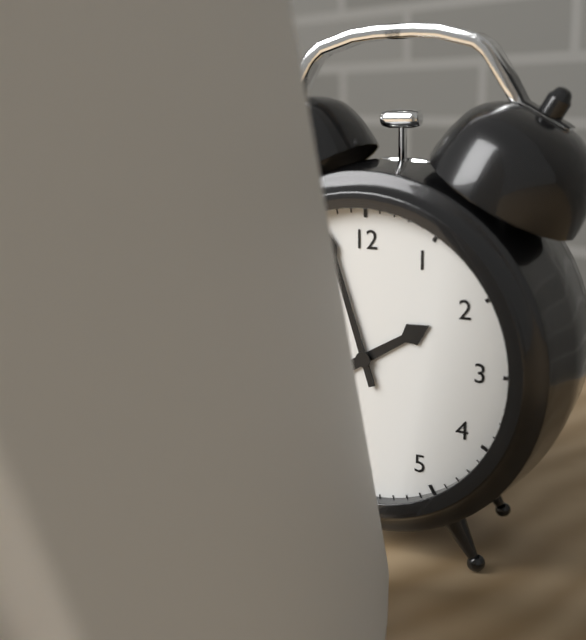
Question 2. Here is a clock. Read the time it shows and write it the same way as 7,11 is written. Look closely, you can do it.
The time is 1,57
